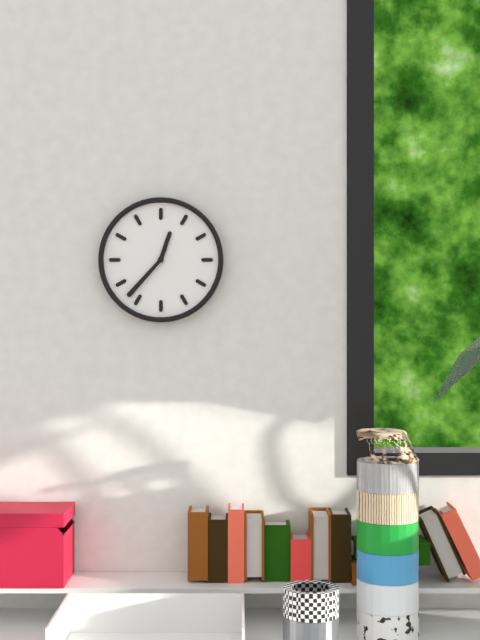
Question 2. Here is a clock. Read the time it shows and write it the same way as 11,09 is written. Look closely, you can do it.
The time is 12,37
